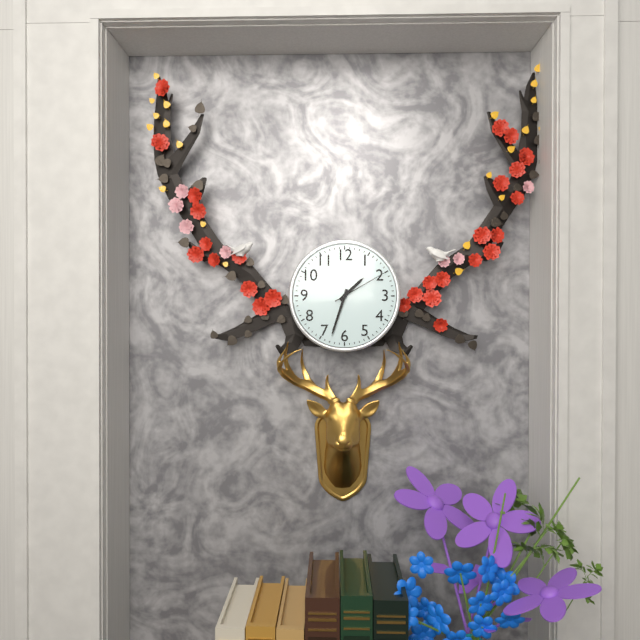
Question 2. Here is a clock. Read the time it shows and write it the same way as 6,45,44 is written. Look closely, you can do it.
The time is 1,33,10
